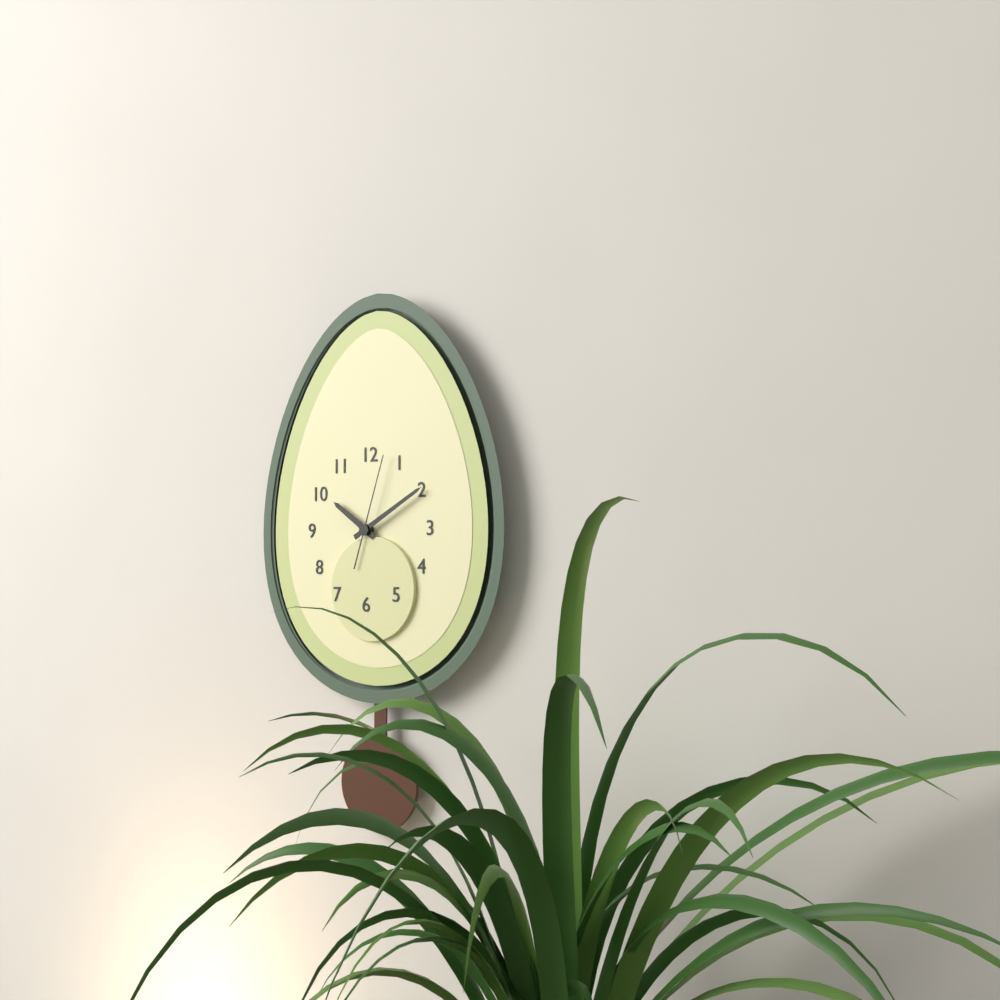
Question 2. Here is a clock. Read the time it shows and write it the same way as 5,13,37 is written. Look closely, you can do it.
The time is 10,10,03
